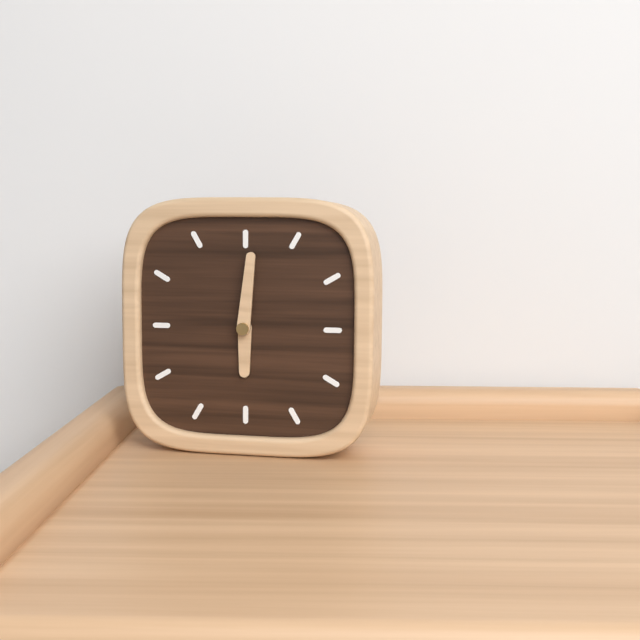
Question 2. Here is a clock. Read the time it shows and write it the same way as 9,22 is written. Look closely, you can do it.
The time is 6,01
